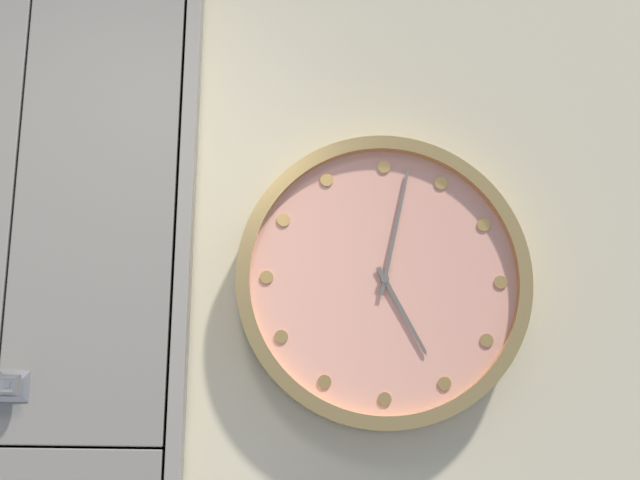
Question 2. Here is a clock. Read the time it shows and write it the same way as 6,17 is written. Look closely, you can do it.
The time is 5,02
